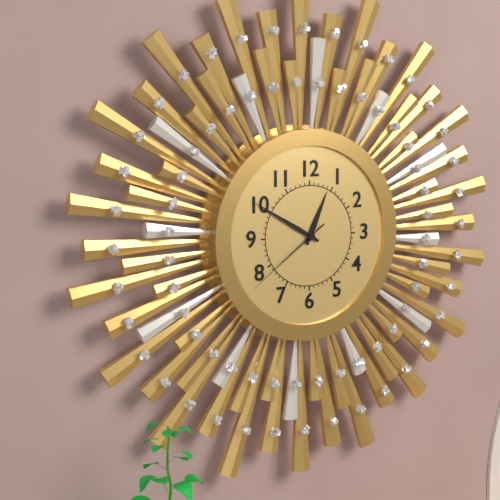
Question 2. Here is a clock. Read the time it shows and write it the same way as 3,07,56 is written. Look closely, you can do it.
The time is 12,50,39
